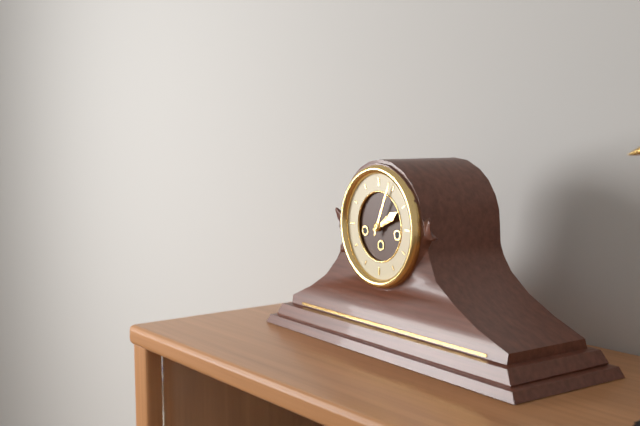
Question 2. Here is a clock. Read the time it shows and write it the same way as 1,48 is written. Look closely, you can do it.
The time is 2,04
